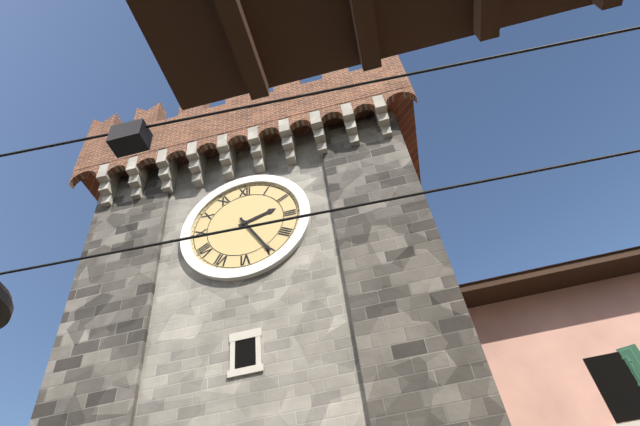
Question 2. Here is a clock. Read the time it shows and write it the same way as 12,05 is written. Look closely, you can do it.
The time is 2,25
